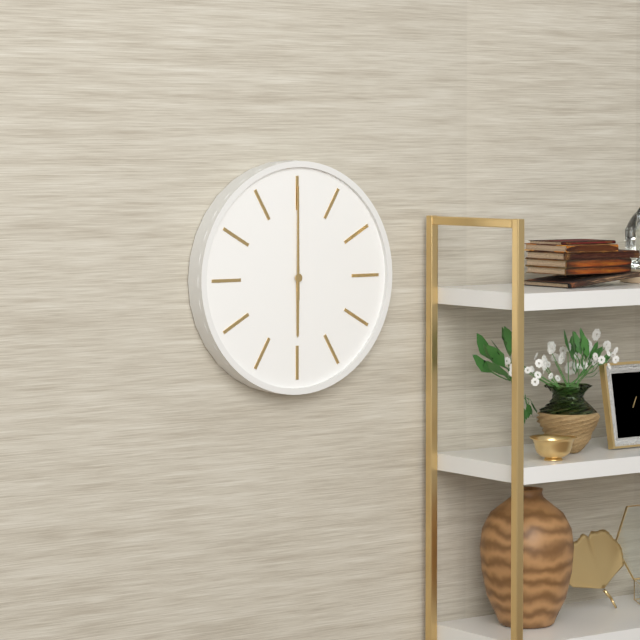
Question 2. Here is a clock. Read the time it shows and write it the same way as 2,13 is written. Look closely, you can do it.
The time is 6,00
